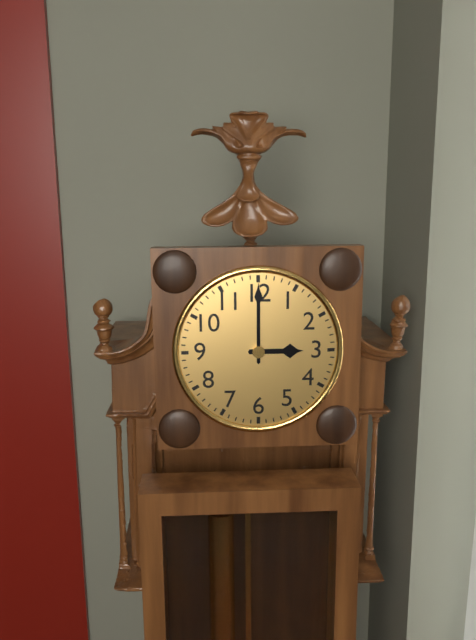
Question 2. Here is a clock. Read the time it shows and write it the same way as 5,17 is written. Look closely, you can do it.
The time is 3,00
